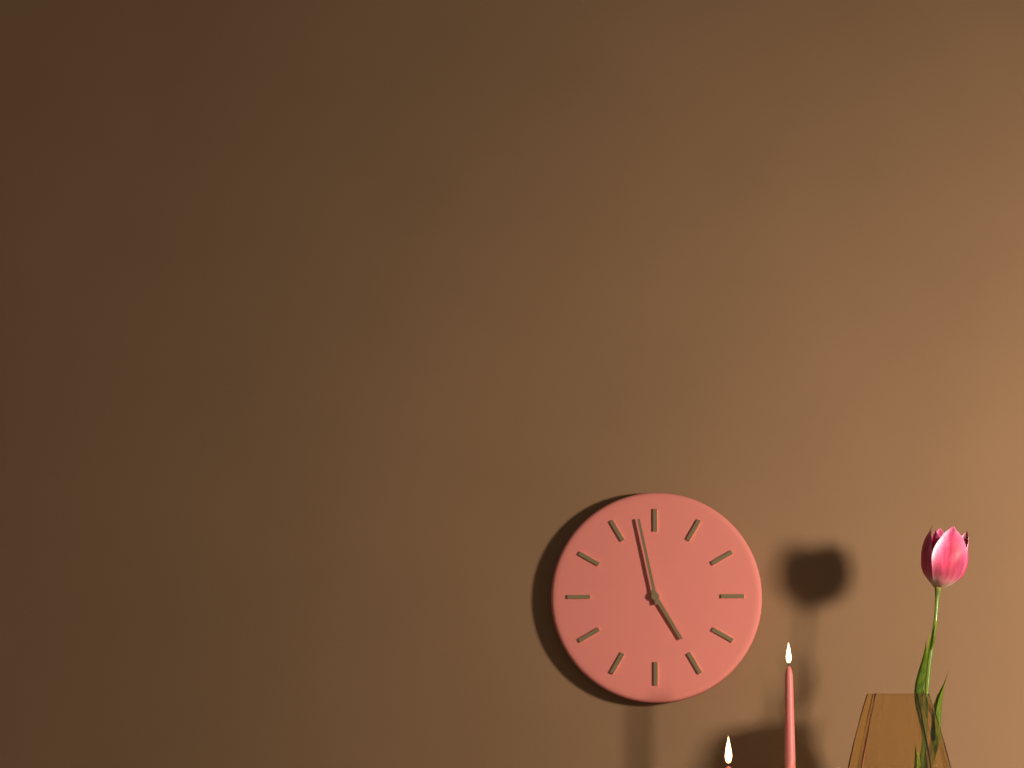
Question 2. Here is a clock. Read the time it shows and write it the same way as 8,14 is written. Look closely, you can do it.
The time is 4,58
